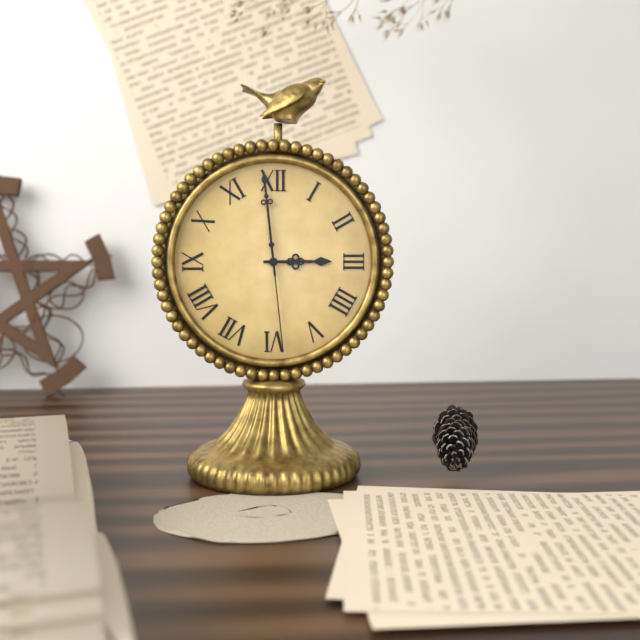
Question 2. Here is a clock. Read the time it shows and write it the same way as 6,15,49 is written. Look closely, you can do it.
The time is 2,59,29
